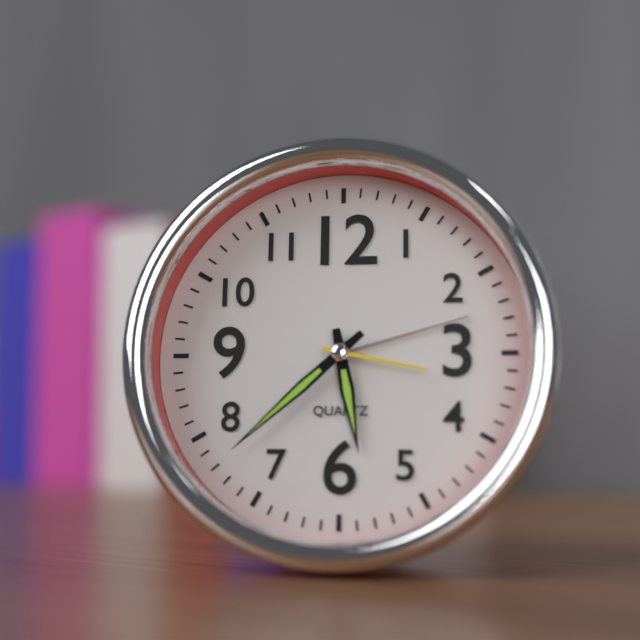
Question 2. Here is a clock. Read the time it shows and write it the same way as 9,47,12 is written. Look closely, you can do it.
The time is 5,38,17
